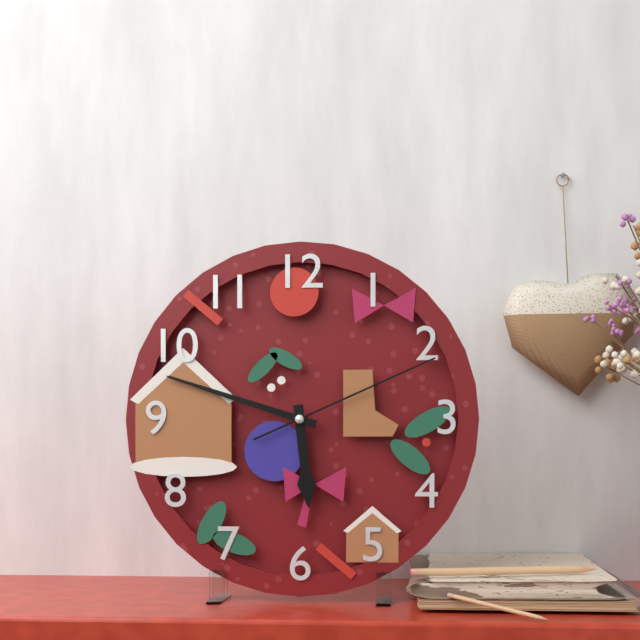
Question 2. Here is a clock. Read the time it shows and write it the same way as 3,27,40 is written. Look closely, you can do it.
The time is 5,48,11
